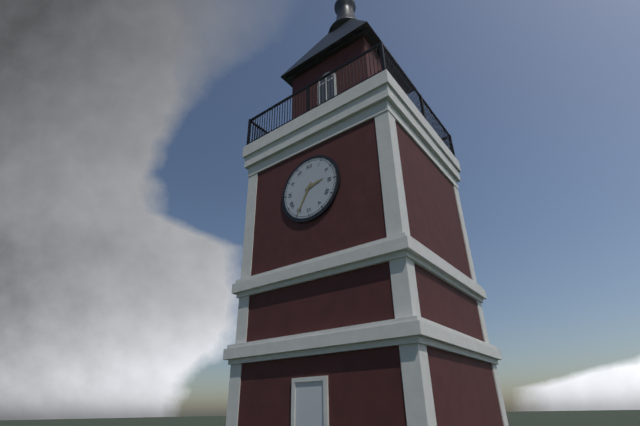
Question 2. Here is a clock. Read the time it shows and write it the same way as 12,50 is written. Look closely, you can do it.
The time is 2,35
